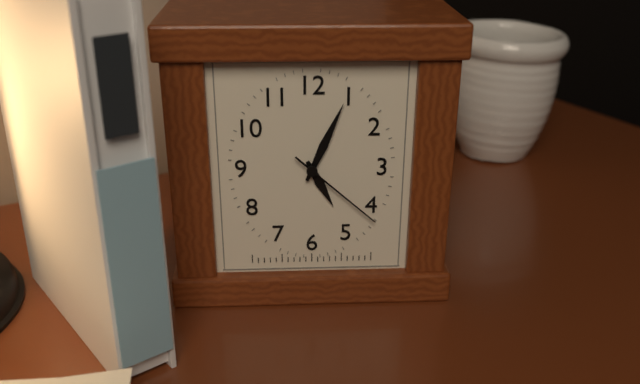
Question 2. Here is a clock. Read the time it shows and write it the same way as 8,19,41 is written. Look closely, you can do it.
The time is 5,04,22
